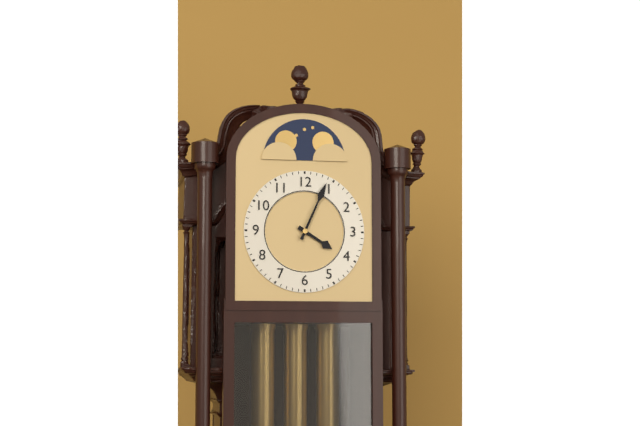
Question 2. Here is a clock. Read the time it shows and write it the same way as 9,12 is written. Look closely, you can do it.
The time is 4,04
